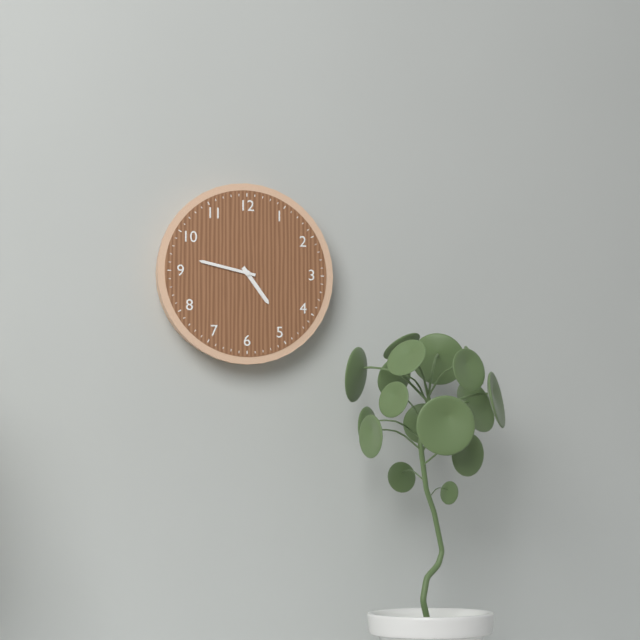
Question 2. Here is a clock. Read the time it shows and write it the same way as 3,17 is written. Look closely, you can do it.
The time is 4,47
